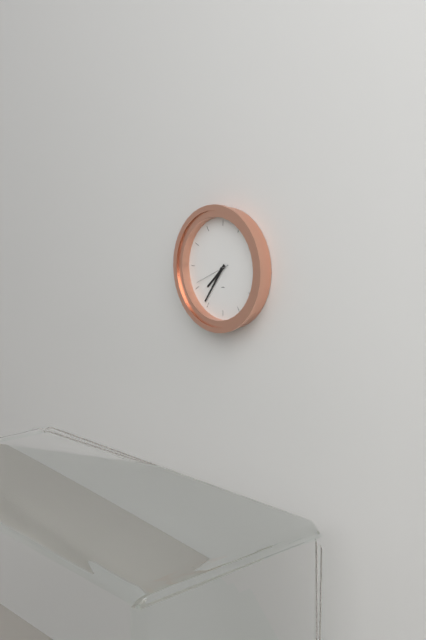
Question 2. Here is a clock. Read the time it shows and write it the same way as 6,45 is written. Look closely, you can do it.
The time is 7,36
